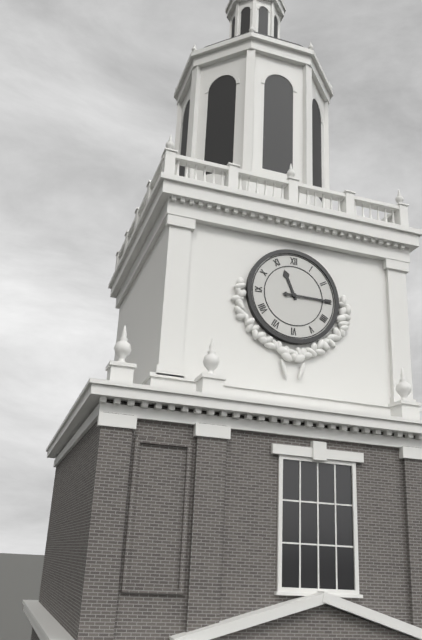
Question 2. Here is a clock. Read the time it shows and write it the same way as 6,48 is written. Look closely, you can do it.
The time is 11,15
